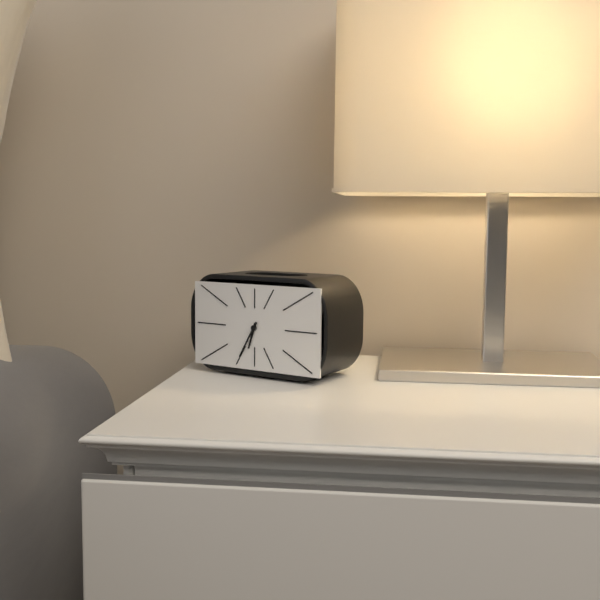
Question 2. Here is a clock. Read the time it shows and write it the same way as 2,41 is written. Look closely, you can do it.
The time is 6,35
